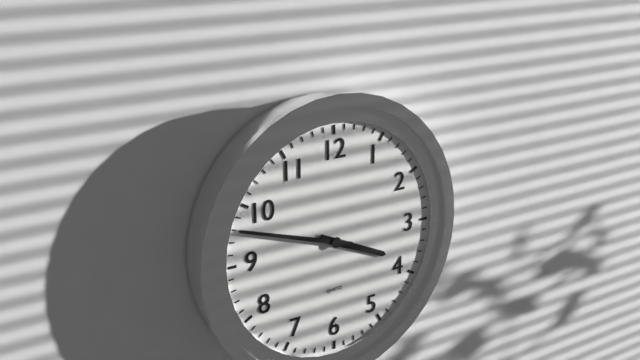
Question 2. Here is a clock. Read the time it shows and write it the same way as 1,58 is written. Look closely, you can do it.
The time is 3,48
